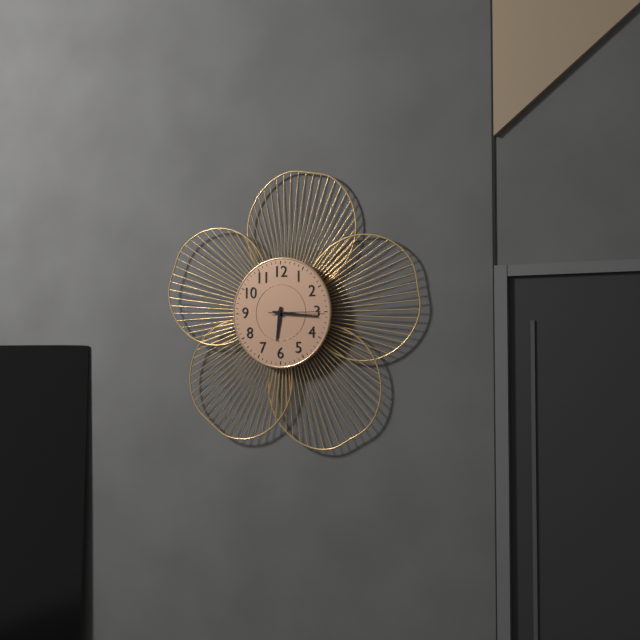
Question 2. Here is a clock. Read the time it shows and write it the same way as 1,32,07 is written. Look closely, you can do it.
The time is 6,16,15
